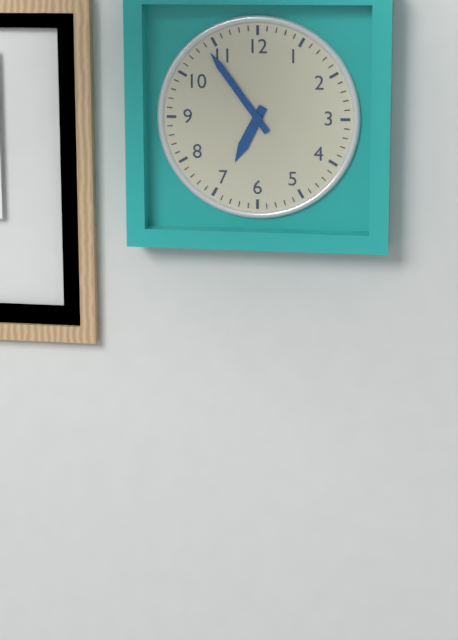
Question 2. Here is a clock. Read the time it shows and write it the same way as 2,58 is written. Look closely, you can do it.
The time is 6,54
